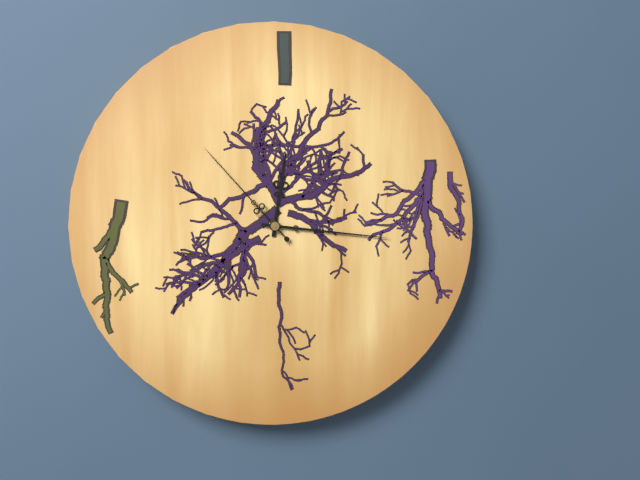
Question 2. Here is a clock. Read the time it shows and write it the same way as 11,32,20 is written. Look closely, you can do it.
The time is 12,16,53
